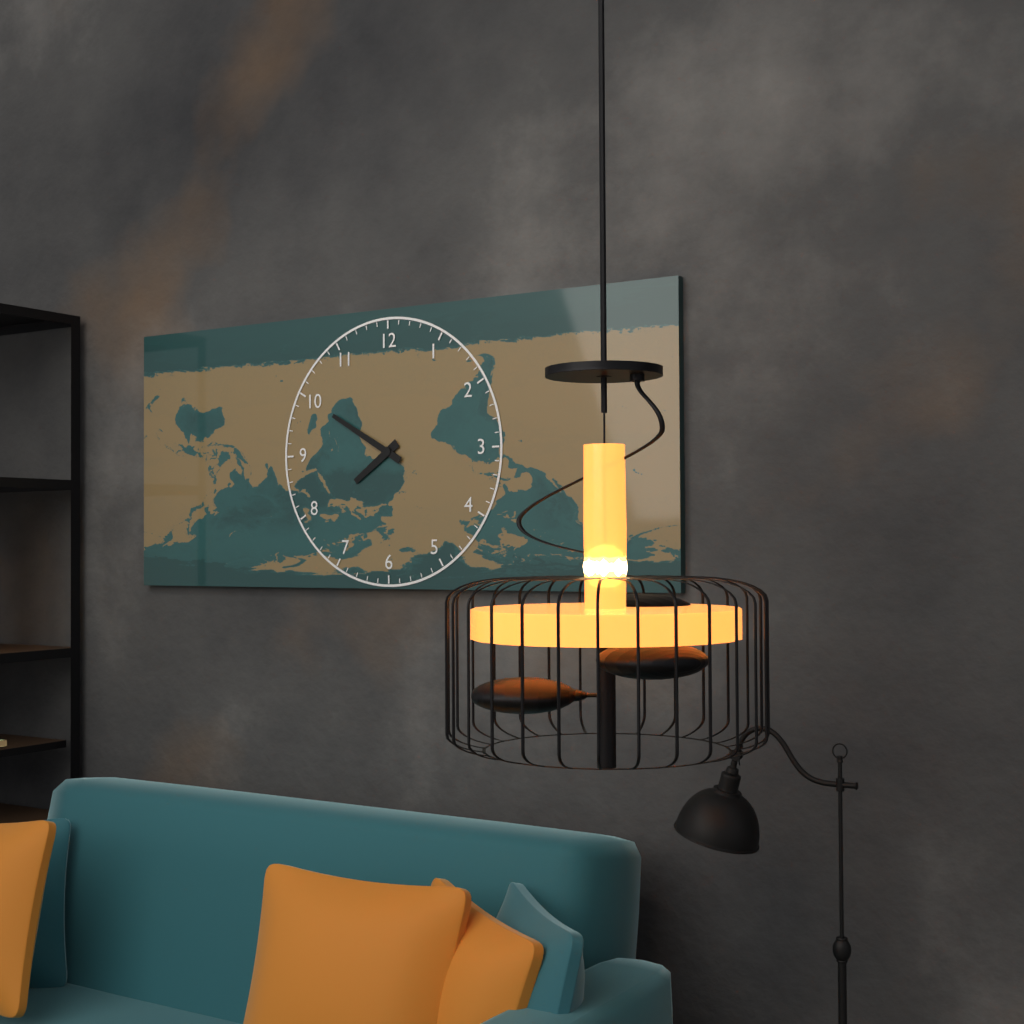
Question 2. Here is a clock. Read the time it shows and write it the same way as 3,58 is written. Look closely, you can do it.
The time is 7,50
